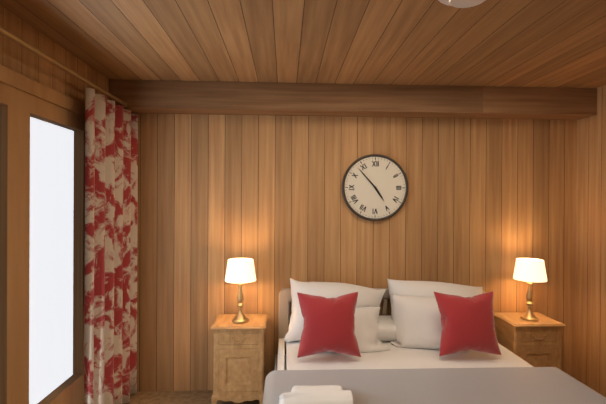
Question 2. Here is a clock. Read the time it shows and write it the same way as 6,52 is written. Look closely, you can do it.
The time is 4,53
